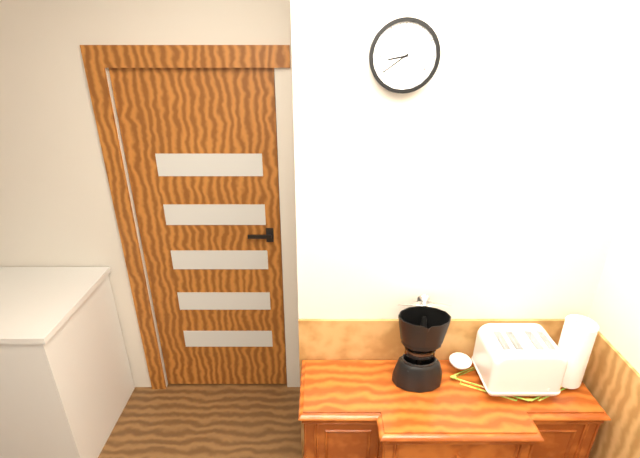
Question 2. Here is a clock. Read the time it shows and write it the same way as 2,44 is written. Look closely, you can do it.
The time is 8,39
